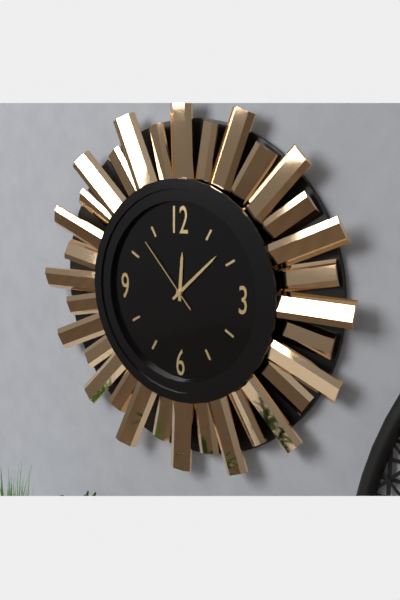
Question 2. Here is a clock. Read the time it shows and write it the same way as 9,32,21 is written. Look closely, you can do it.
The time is 12,08,53
